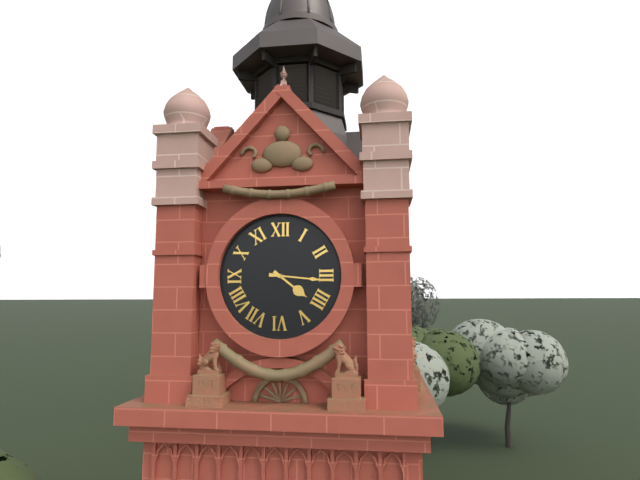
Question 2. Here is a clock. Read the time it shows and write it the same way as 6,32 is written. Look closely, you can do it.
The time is 4,16
